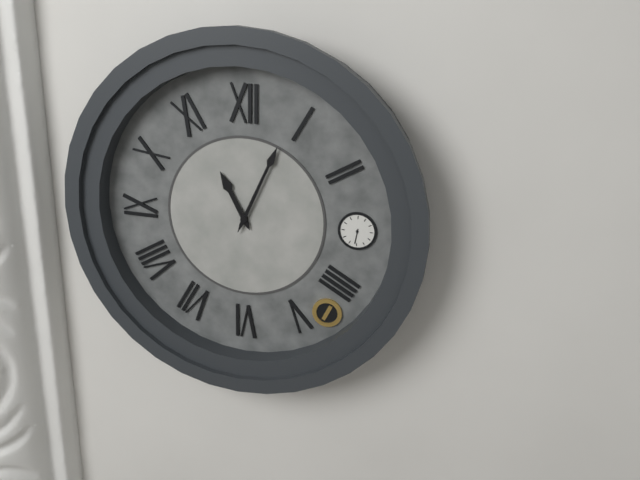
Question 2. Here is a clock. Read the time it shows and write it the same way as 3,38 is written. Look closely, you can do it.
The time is 11,04
